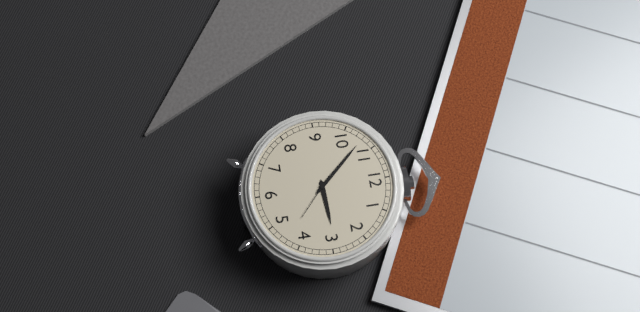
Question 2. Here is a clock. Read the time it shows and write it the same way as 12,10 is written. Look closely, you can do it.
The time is 2,53
